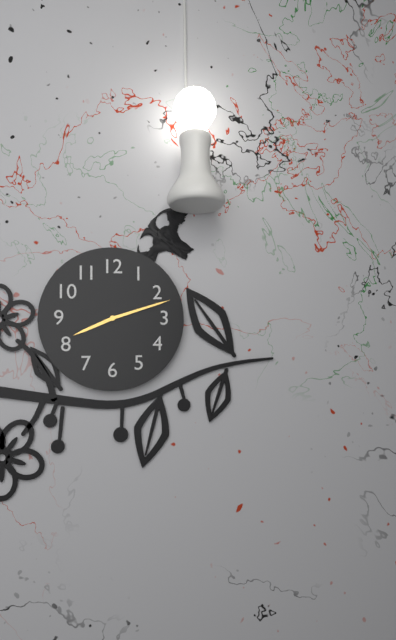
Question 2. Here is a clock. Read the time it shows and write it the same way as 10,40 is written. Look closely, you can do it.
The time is 8,12
